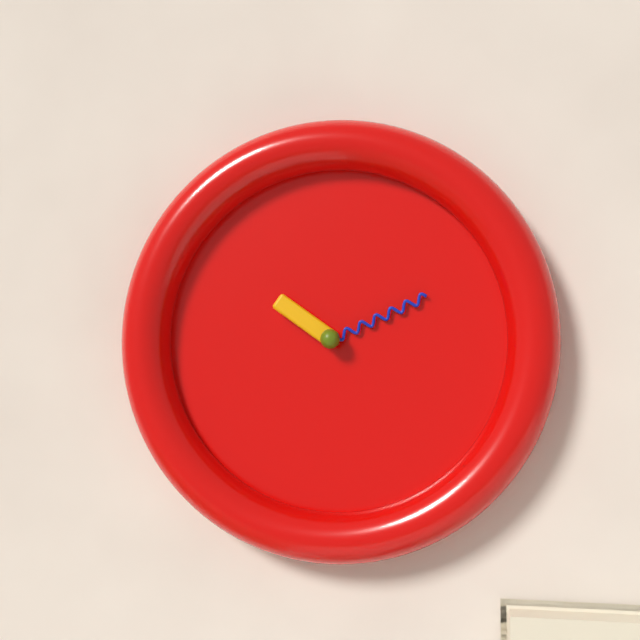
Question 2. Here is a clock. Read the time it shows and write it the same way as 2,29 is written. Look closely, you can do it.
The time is 10,11
